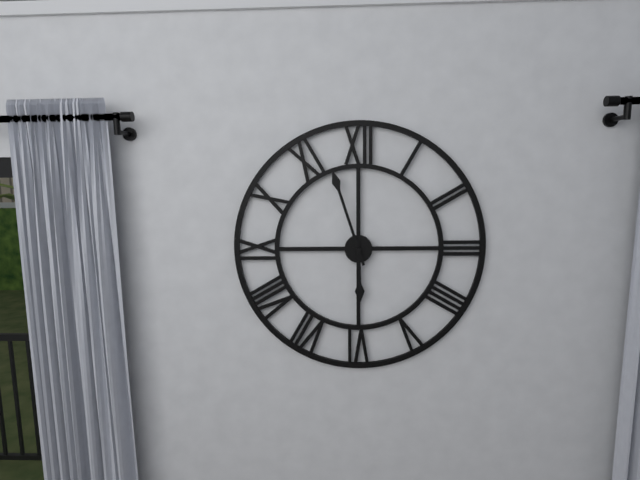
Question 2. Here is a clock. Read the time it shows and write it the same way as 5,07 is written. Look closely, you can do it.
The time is 5,57
